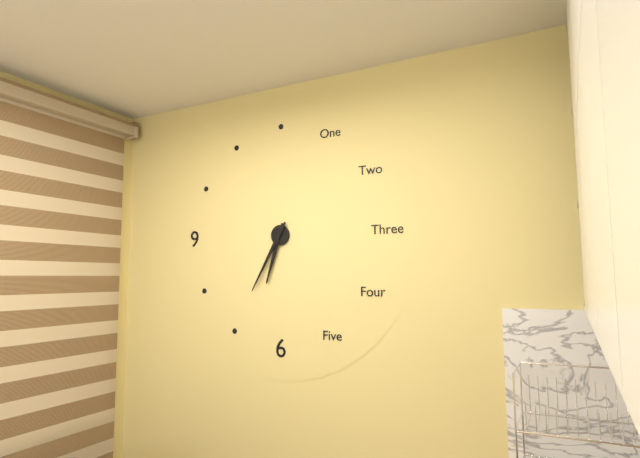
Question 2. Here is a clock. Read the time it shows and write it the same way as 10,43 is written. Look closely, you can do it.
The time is 6,35
